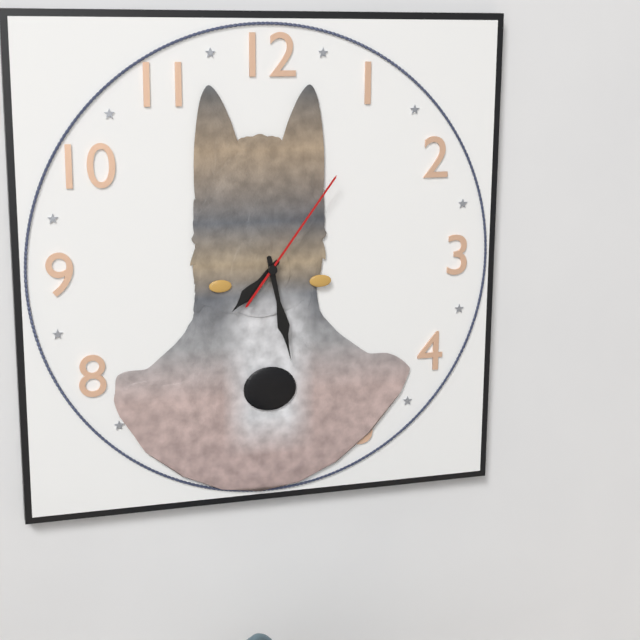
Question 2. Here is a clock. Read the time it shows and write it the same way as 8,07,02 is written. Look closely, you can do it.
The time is 7,28,06
